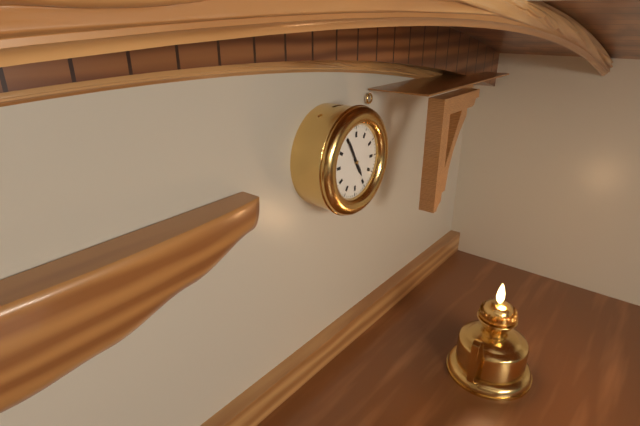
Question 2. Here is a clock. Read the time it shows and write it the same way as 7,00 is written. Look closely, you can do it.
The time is 4,55
